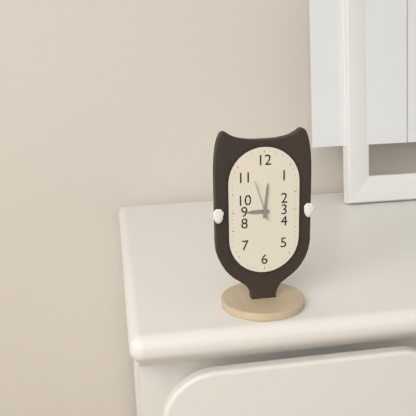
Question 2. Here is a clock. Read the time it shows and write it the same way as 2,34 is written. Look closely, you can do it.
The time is 9,01
